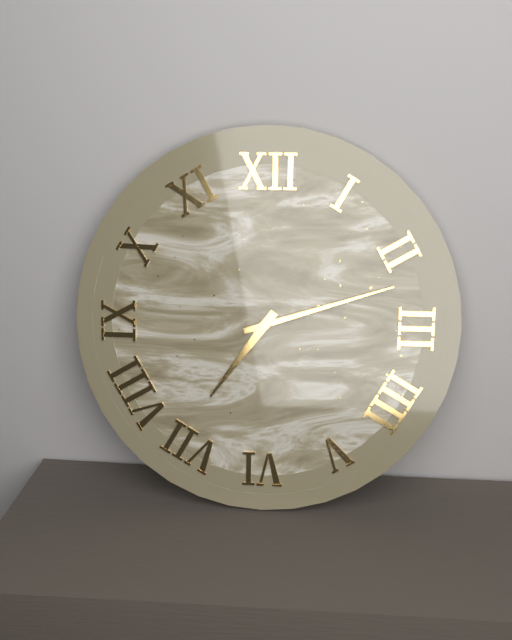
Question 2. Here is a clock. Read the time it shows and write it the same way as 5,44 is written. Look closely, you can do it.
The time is 7,12
